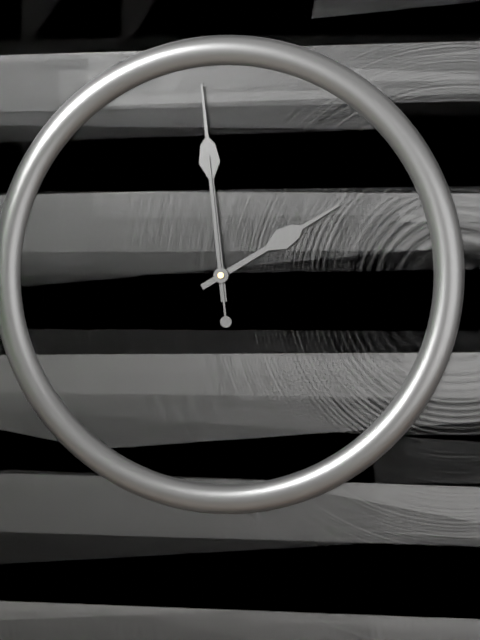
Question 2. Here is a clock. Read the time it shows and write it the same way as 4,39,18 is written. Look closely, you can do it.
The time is 1,59,59
